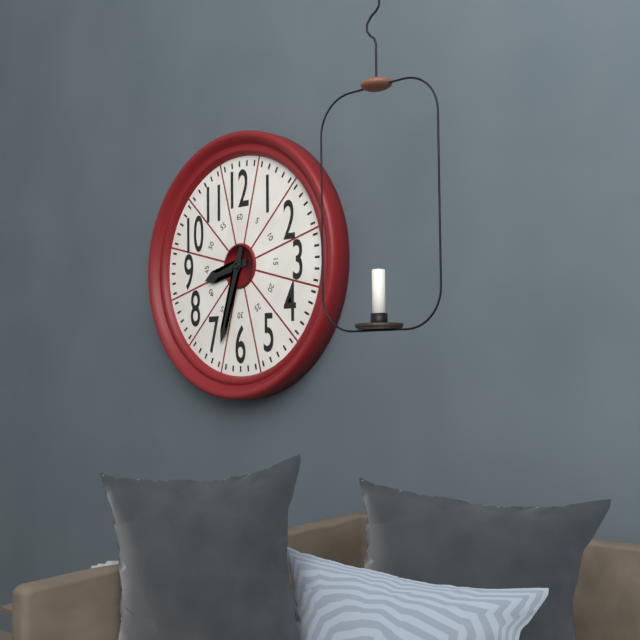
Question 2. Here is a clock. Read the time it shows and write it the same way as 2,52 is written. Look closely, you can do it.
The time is 8,33
